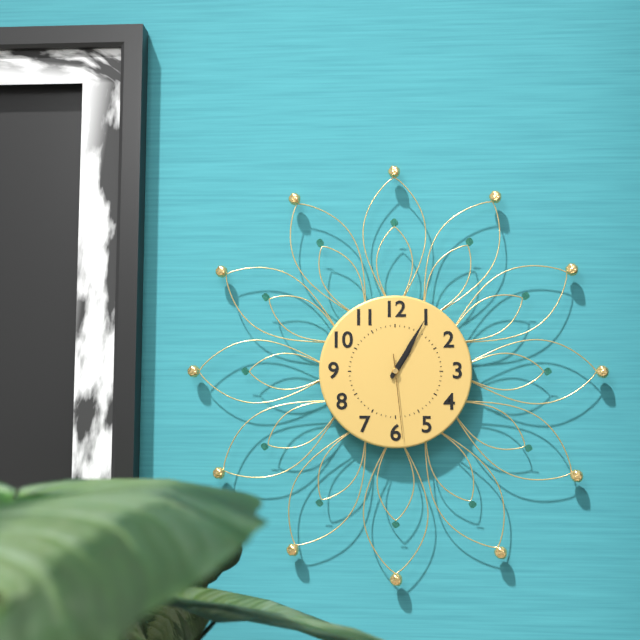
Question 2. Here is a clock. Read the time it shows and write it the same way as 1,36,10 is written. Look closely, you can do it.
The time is 1,05,29
